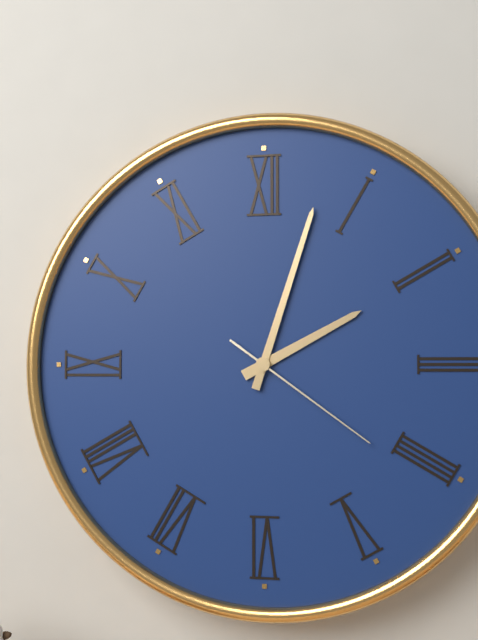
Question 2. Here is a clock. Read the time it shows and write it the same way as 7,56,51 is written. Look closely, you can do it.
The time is 2,03,21
